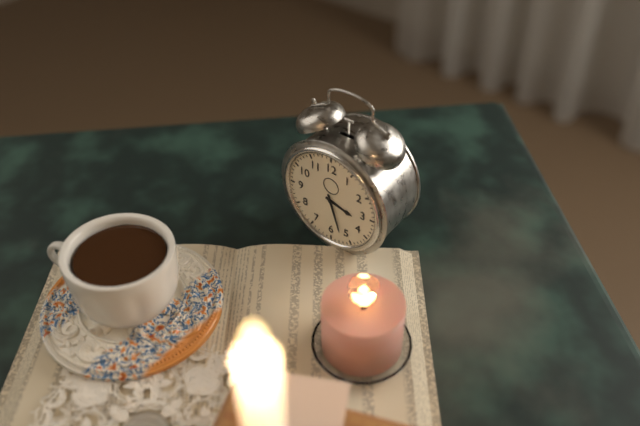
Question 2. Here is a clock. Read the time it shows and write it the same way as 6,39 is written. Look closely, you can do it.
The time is 3,27
